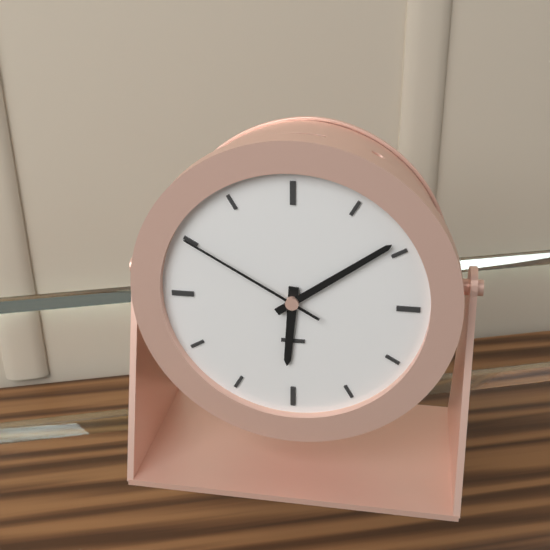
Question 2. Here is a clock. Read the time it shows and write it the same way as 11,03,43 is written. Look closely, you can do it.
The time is 6,09,50
